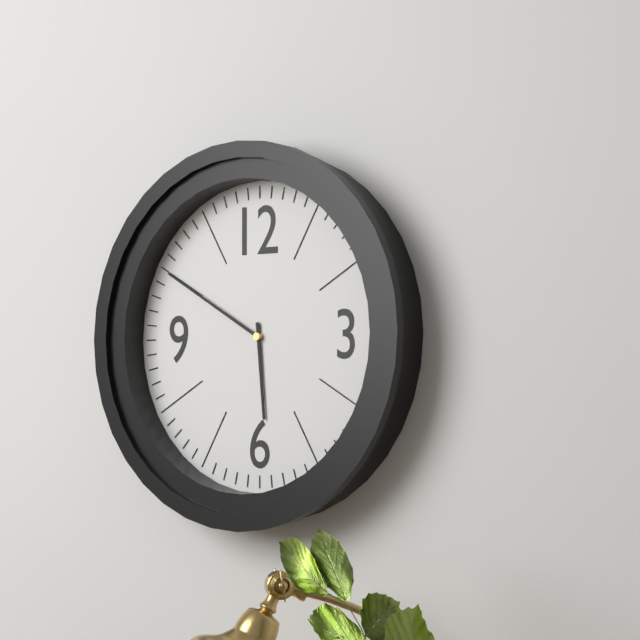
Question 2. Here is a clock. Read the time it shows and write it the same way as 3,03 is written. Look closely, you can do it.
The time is 5,50
